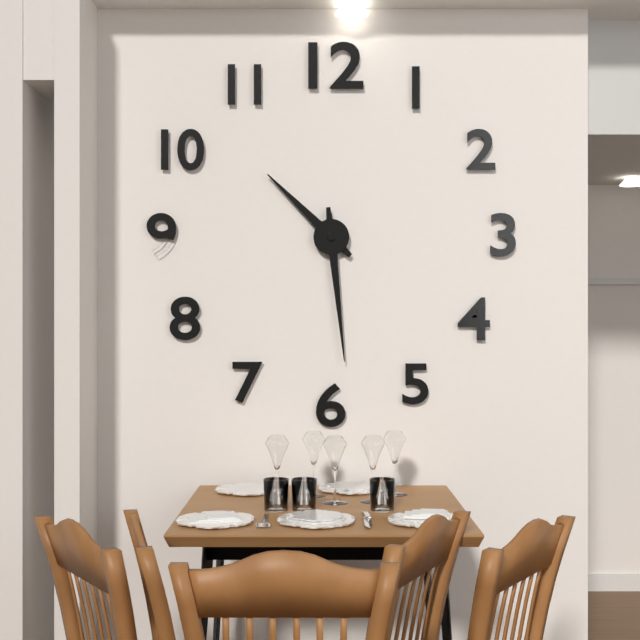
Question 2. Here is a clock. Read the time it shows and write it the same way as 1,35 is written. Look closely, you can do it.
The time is 10,29
